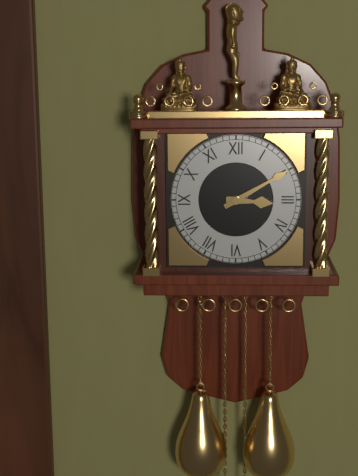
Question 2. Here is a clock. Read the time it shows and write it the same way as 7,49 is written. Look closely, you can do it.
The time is 3,10
